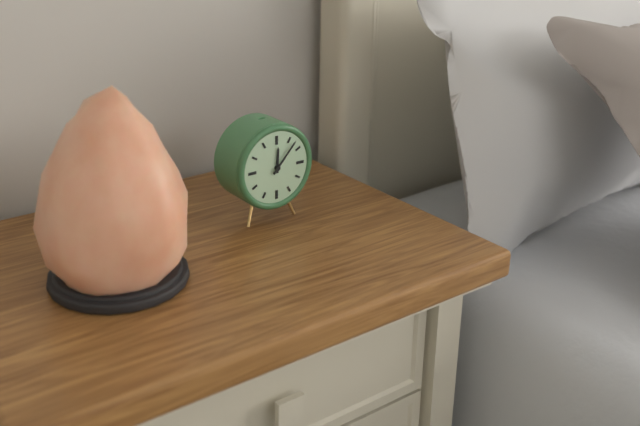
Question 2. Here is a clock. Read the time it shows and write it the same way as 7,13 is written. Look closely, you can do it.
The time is 12,07
